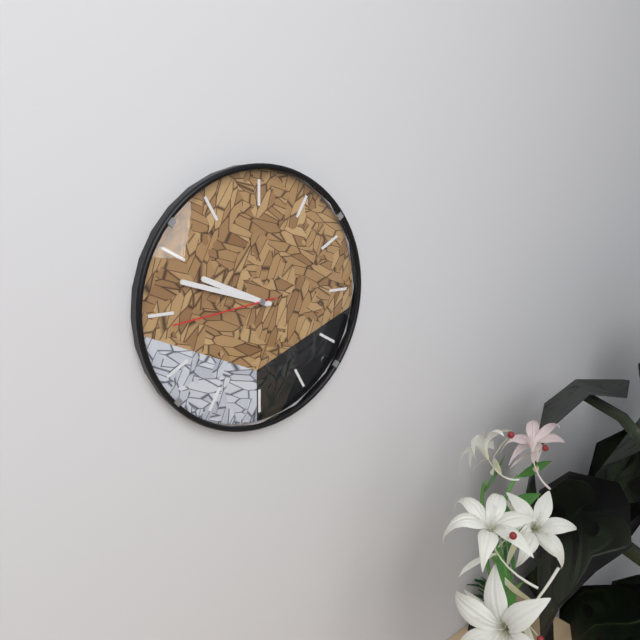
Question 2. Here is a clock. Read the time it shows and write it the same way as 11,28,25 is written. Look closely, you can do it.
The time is 9,48,44
